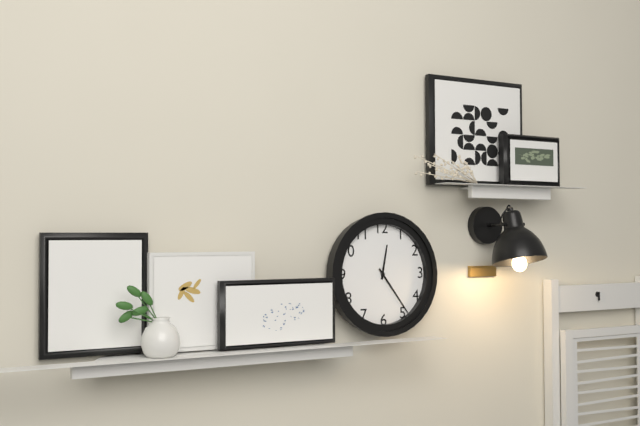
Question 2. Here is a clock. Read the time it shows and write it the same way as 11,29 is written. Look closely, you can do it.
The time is 12,24
